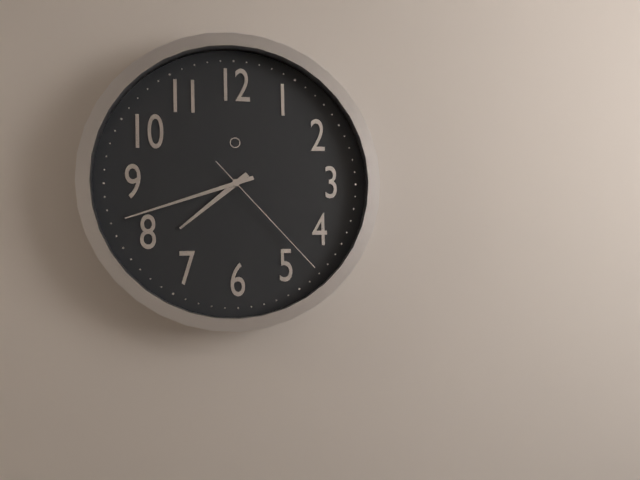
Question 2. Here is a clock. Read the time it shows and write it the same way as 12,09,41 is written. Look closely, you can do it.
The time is 7,42,23
